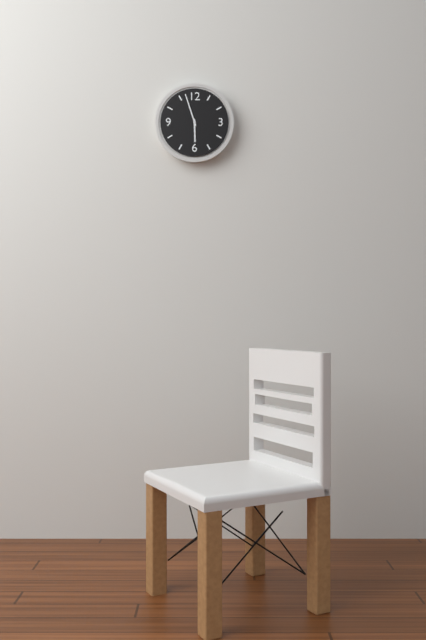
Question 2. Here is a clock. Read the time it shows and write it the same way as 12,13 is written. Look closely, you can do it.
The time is 5,57
